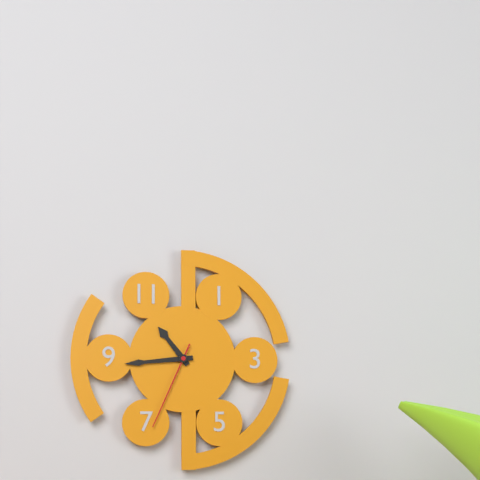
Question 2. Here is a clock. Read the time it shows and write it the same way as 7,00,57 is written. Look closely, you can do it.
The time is 10,44,34
